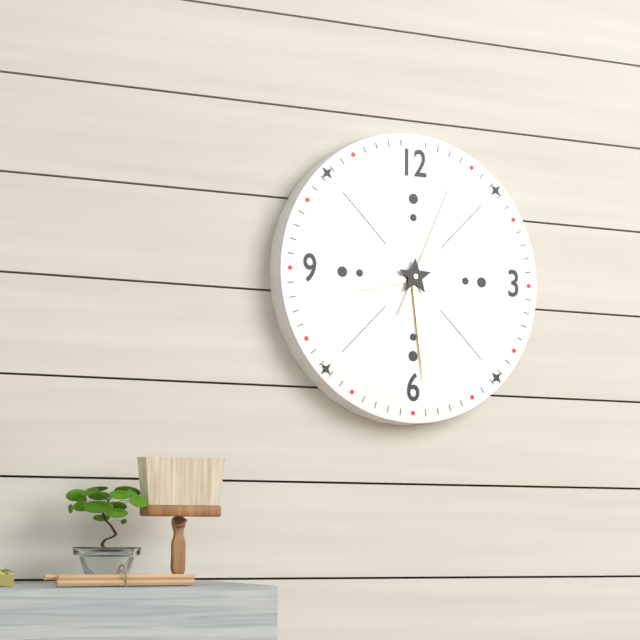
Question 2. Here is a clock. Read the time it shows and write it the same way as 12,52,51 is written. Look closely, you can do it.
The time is 8,29,04
